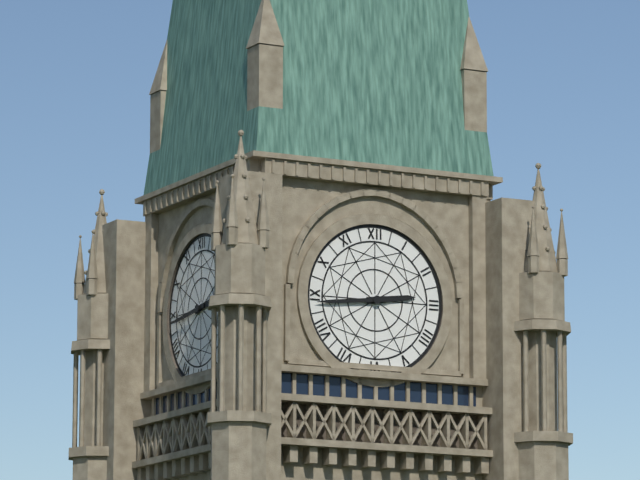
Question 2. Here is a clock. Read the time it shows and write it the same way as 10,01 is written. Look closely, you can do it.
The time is 2,44
